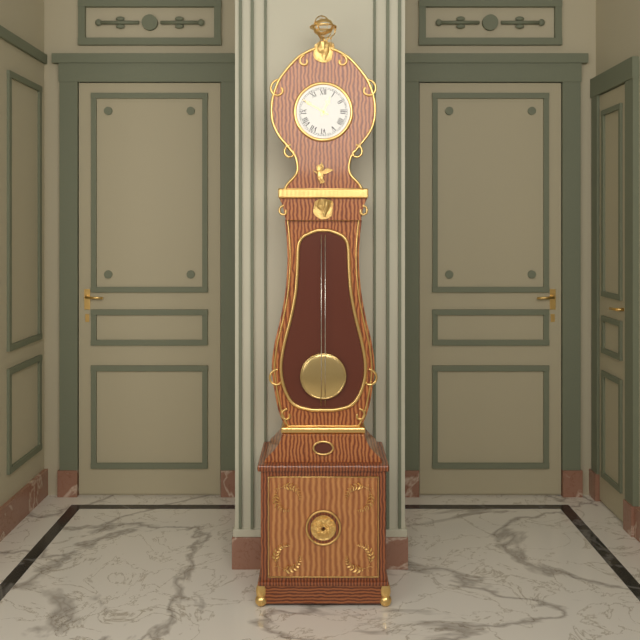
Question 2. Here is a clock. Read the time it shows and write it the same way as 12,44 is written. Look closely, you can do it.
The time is 12,50
